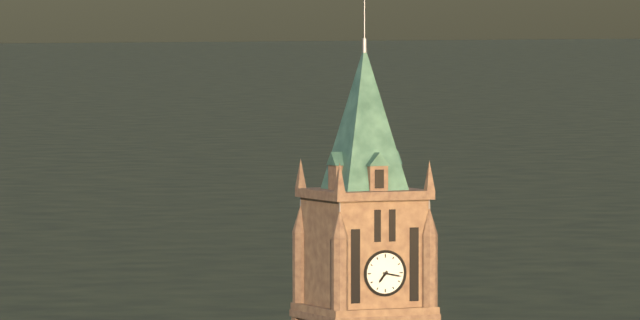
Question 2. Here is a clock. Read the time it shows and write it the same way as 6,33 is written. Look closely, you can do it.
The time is 7,17
